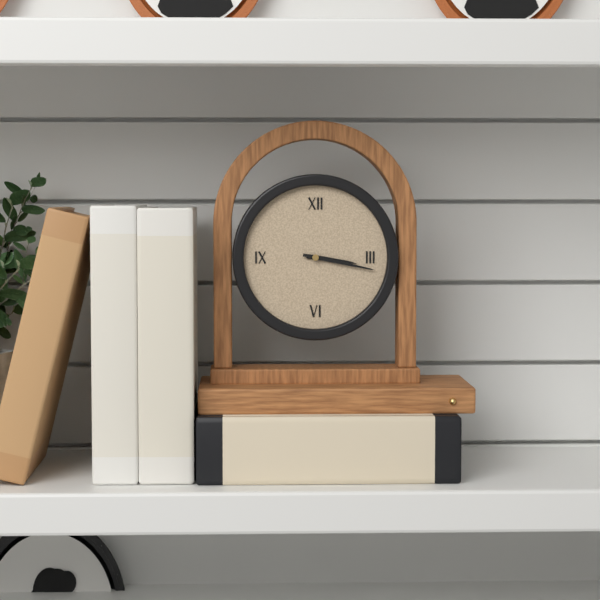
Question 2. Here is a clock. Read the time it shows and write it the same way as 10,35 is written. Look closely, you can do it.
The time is 3,17
